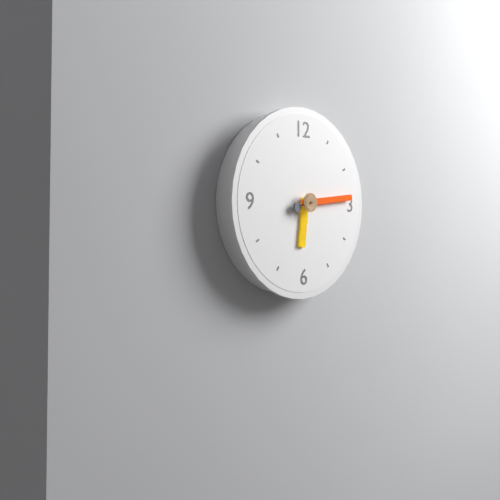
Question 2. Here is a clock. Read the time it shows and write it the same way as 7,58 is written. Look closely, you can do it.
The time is 6,14
